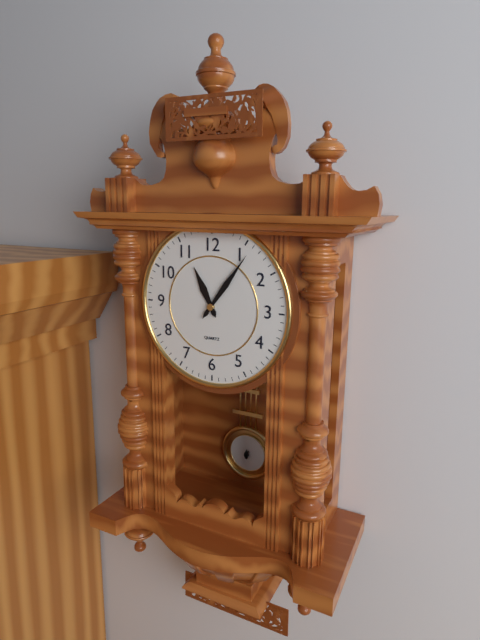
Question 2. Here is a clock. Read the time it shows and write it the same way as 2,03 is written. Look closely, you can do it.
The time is 11,06
